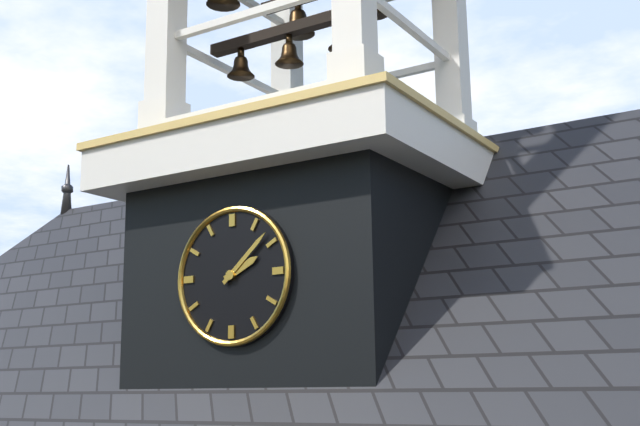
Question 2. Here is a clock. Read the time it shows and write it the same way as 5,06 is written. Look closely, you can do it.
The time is 2,08
